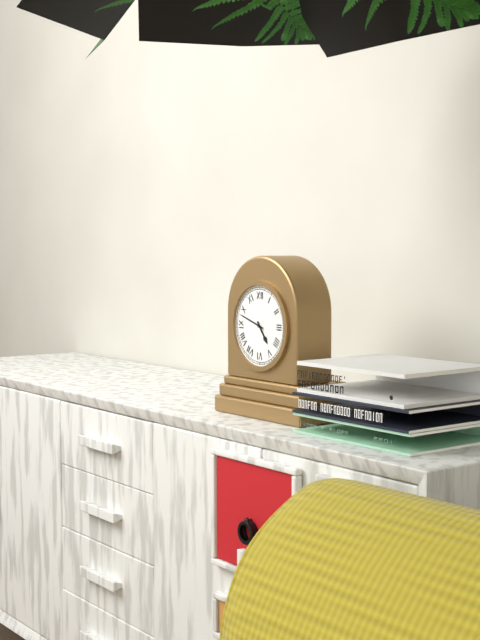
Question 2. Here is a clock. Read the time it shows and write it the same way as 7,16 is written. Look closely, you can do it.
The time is 4,48
